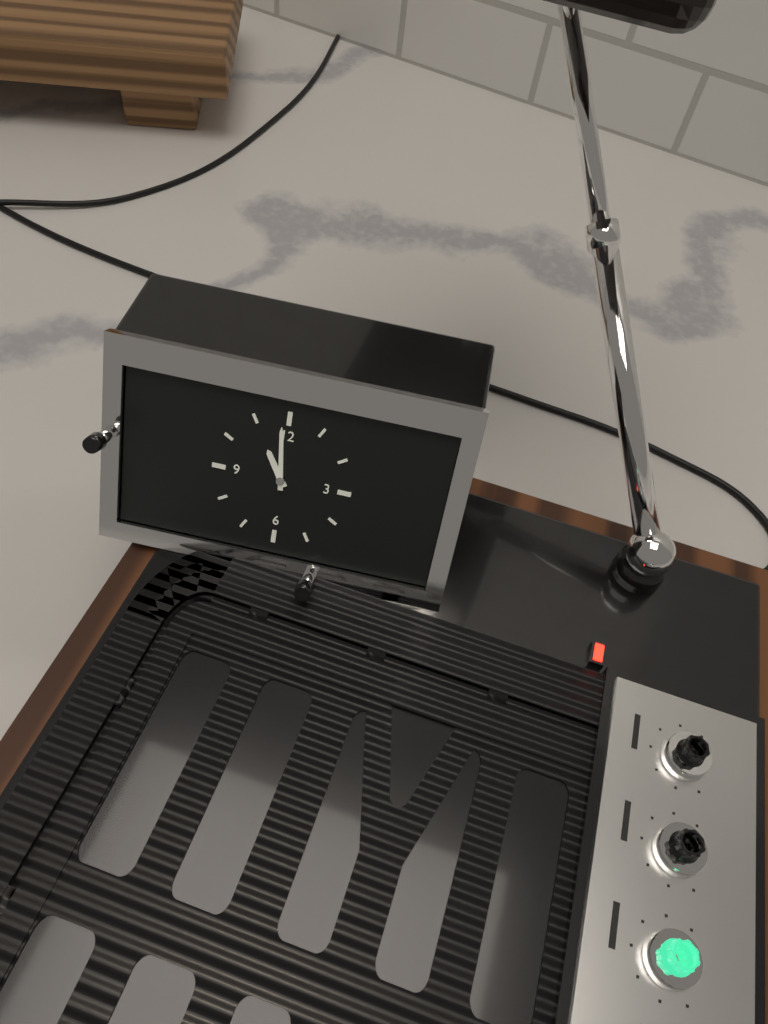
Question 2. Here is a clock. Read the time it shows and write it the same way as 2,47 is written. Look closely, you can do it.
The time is 10,59
